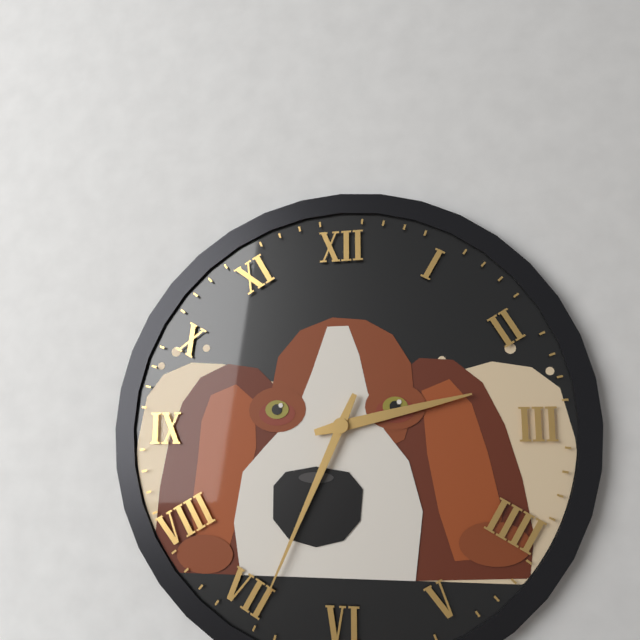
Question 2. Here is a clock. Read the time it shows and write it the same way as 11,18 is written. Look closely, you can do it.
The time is 2,34
